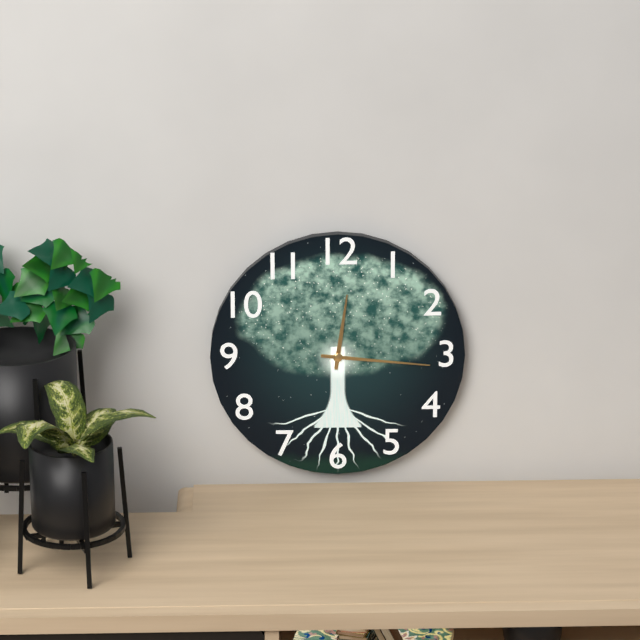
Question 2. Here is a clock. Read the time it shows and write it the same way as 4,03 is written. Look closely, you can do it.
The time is 12,16
